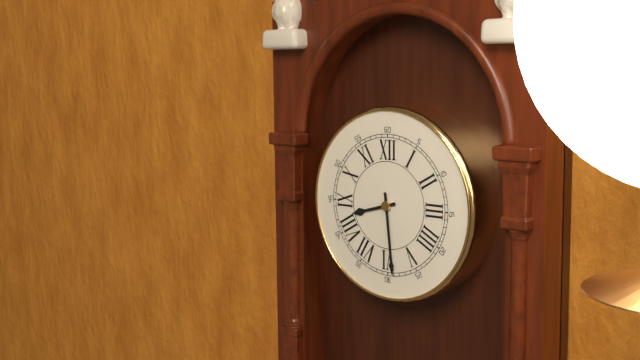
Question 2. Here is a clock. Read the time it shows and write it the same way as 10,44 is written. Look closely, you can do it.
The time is 8,29
